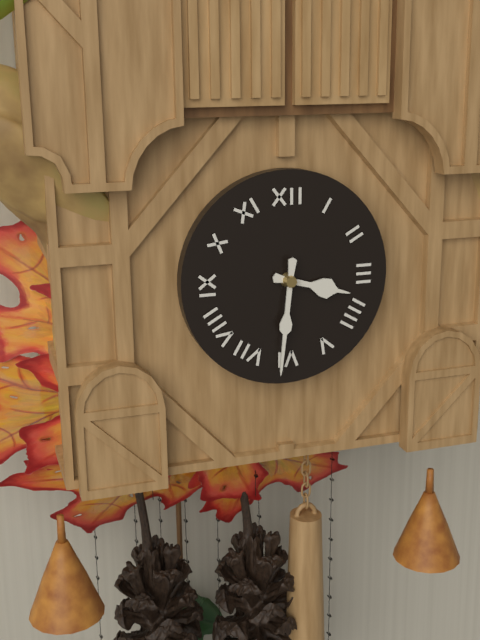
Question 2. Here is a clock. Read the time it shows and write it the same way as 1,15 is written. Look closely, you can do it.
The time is 3,31
